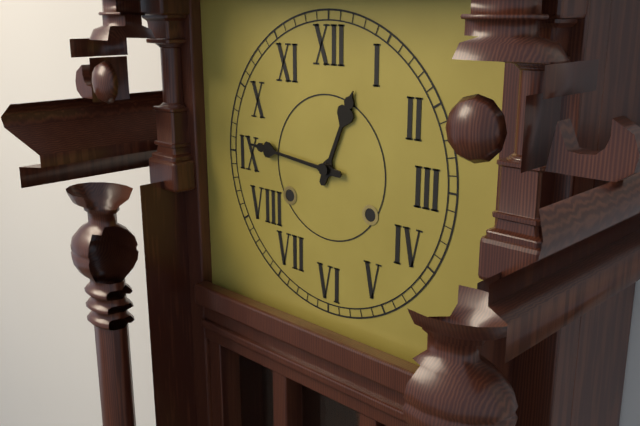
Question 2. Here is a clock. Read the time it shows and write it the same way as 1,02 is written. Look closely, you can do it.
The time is 12,46
